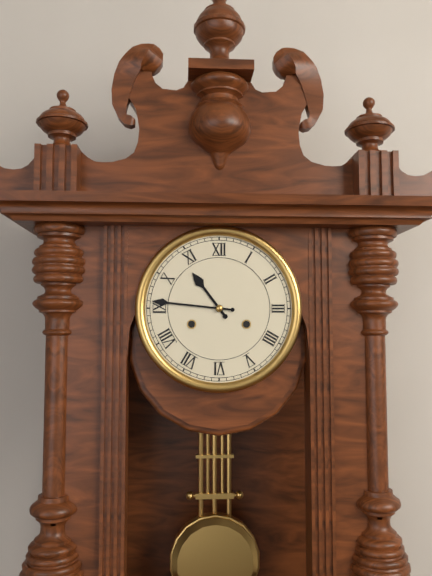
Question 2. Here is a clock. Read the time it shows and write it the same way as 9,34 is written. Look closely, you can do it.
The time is 10,46
